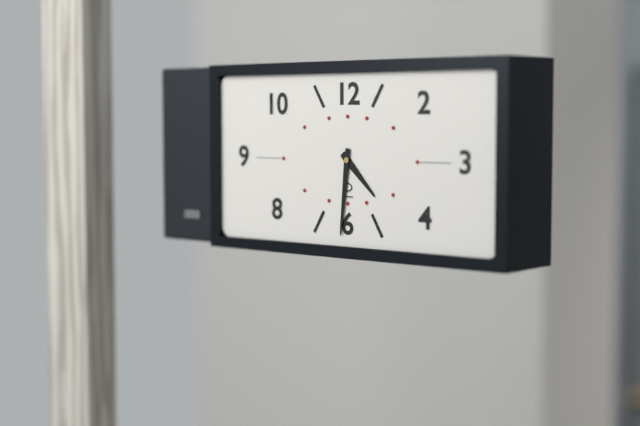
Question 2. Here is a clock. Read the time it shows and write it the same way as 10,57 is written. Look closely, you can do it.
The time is 4,31
